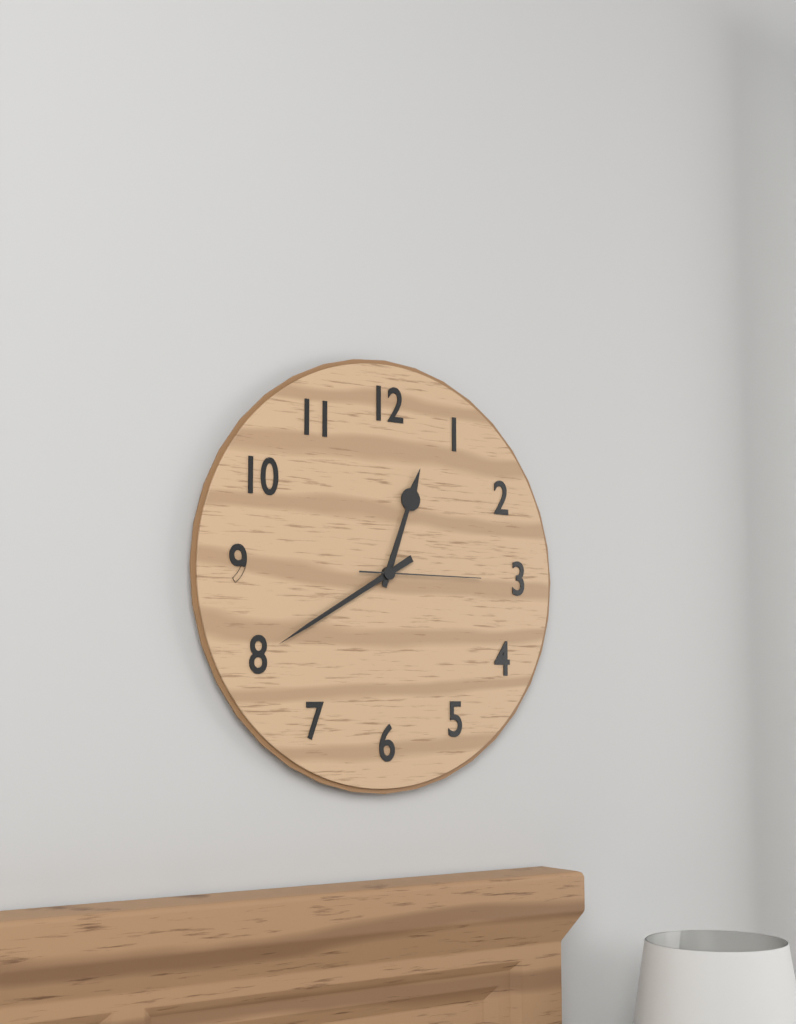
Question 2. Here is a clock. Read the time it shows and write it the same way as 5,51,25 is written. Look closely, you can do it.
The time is 12,40,15
